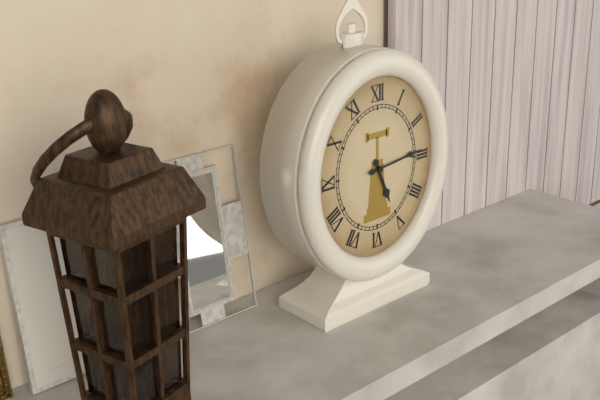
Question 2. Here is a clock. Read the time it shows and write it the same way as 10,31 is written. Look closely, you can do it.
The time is 5,14
